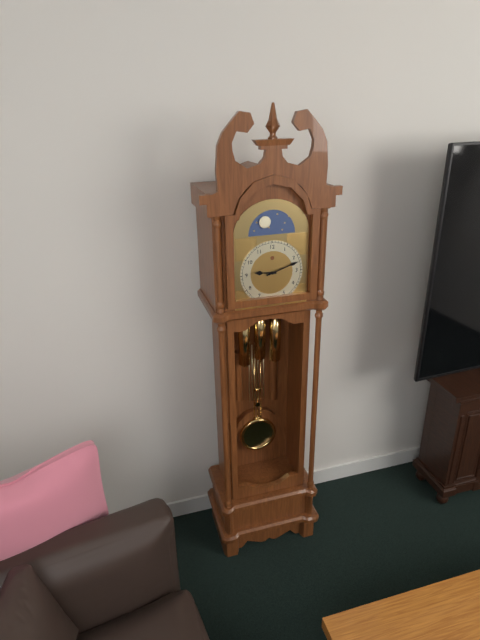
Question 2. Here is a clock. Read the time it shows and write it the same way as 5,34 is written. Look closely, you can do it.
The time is 9,12
